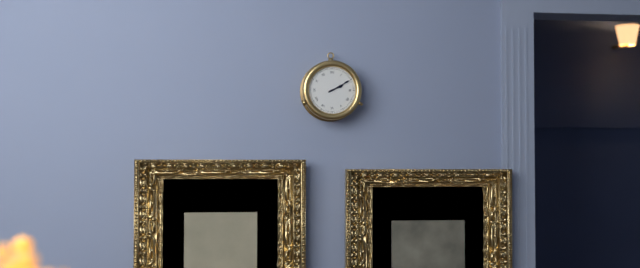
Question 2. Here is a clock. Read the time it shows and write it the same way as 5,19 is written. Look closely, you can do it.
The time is 2,10
